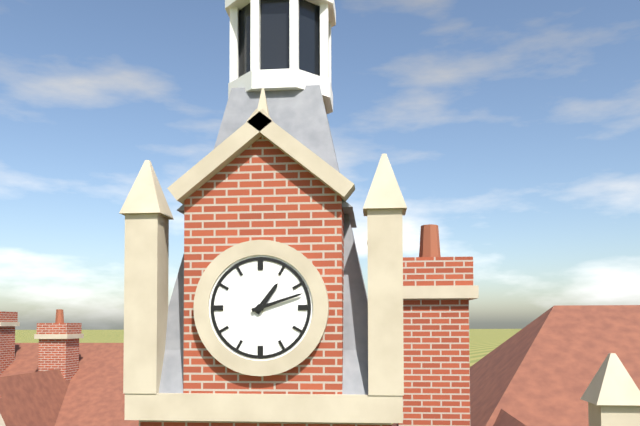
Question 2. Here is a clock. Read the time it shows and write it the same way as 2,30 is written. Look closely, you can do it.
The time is 1,12
